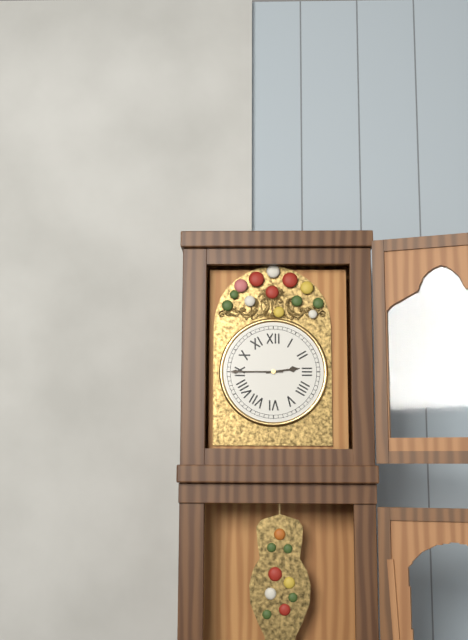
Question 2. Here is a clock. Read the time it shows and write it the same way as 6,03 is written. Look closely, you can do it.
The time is 2,45
